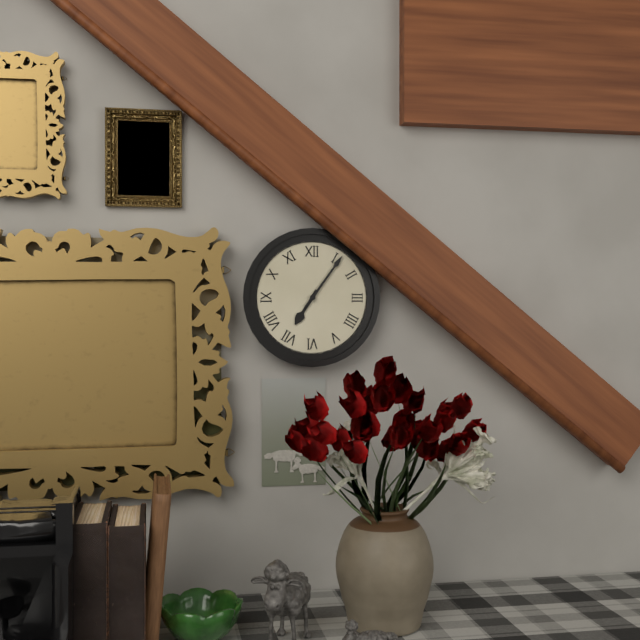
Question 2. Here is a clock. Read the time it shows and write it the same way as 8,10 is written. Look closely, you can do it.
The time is 7,06
